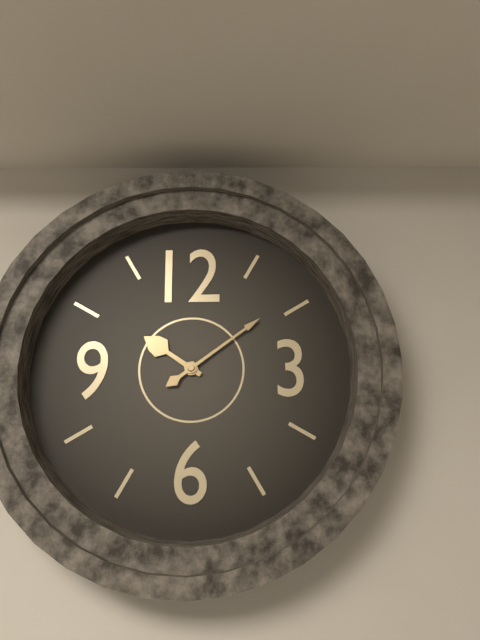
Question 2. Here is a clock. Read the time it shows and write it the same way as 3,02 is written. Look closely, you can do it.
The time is 10,09
